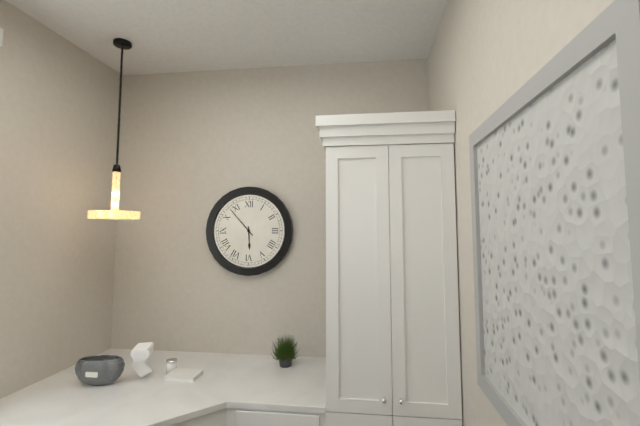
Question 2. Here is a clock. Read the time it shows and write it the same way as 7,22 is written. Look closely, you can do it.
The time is 5,53
